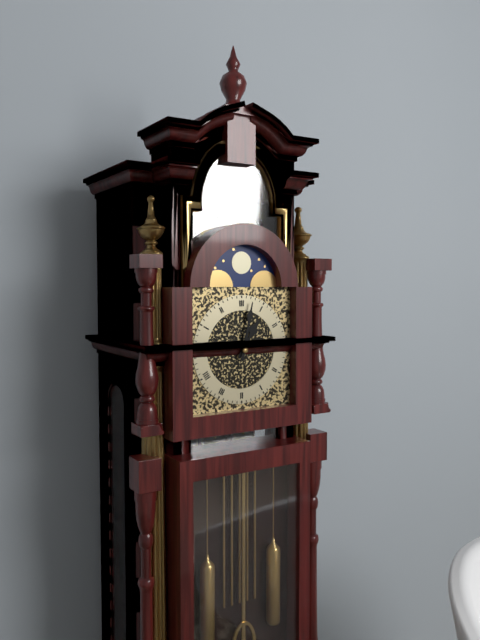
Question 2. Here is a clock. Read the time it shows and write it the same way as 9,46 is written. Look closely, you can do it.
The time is 1,02
